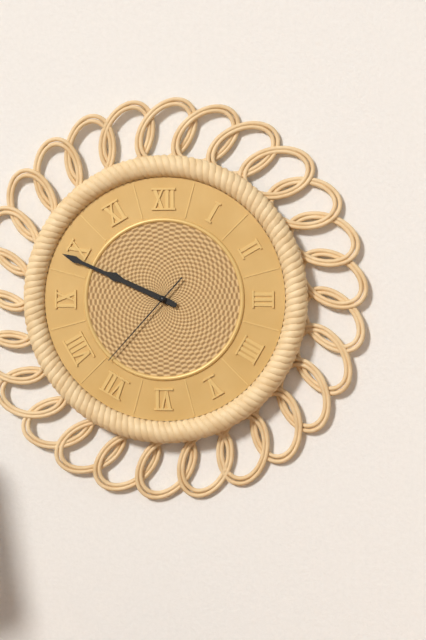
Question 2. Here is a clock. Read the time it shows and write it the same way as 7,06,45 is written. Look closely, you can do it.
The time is 9,49,37
